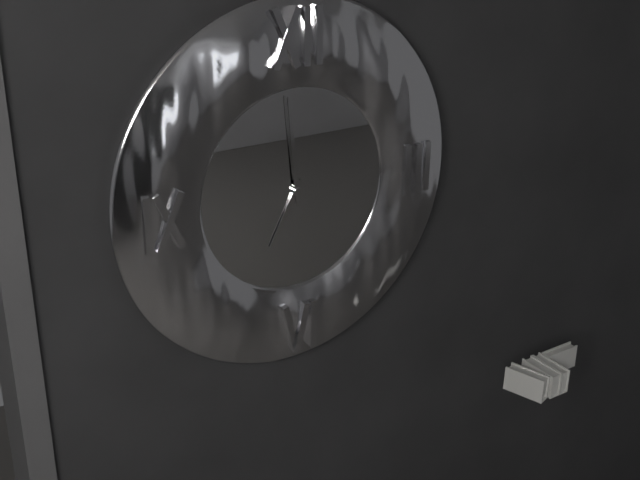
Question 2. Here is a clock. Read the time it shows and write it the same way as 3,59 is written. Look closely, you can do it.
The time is 6,59
